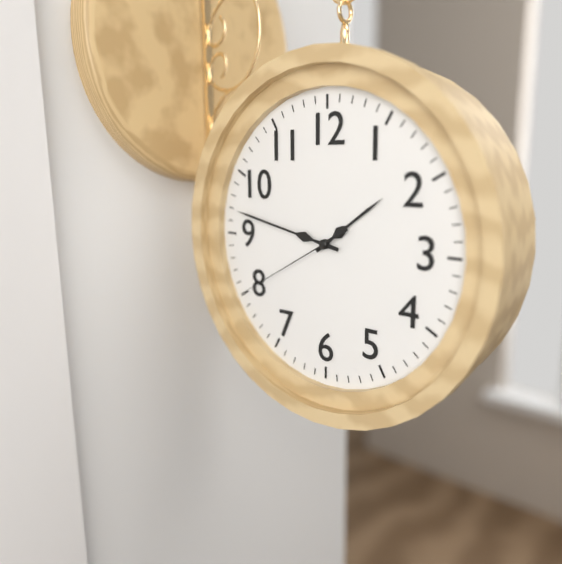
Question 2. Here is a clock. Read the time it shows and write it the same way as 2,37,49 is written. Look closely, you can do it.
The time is 1,47,40
